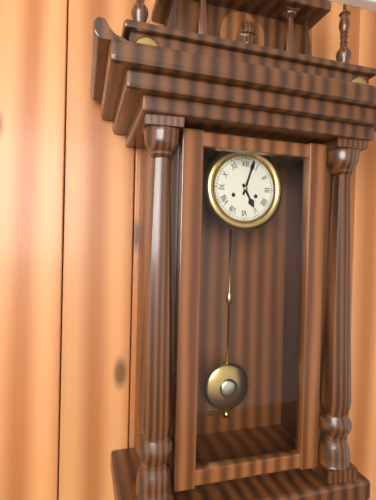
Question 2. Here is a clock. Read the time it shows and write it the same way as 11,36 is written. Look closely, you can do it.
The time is 5,03
